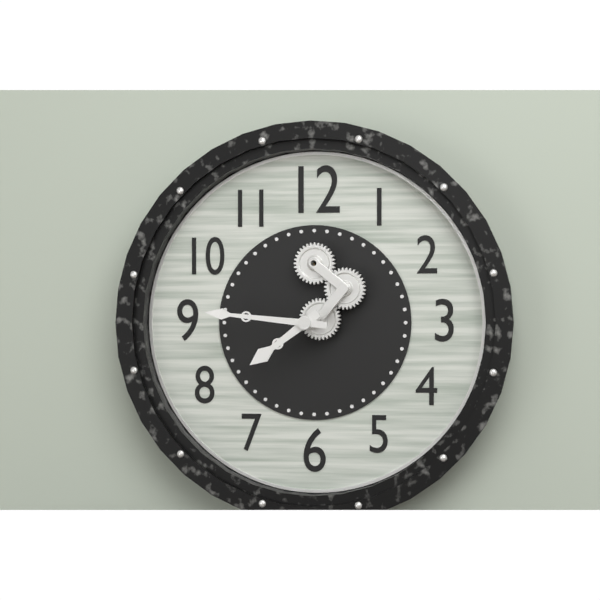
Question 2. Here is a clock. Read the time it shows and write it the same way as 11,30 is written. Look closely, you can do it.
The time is 7,46
